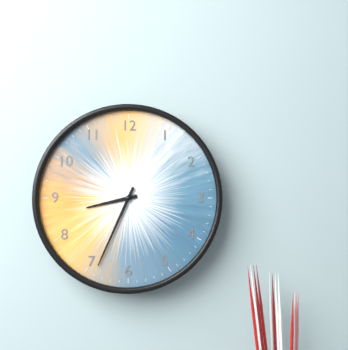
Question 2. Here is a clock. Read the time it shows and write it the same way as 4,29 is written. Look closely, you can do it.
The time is 8,34
